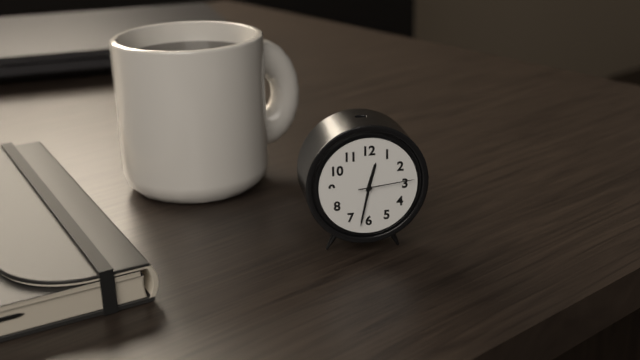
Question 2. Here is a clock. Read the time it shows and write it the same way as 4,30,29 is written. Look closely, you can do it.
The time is 12,32,14
